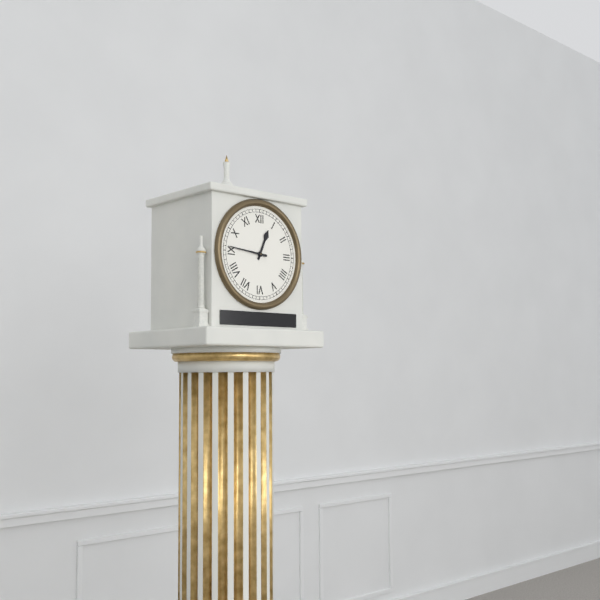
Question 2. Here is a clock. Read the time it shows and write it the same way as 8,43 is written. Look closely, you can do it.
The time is 12,46
